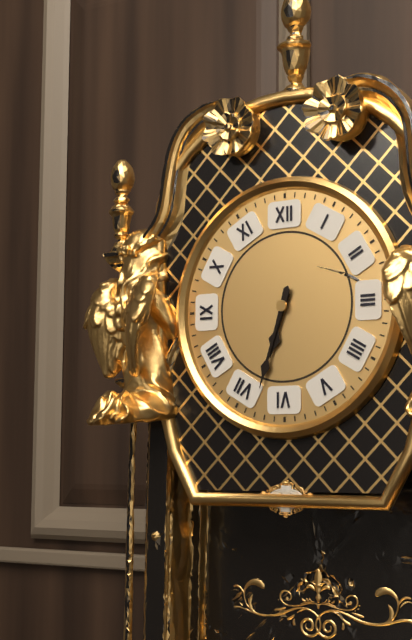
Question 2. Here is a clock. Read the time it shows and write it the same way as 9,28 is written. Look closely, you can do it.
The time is 6,33
